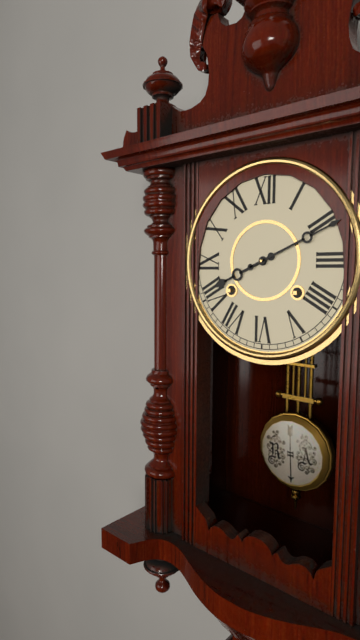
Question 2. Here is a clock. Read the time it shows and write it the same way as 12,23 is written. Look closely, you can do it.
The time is 8,11
